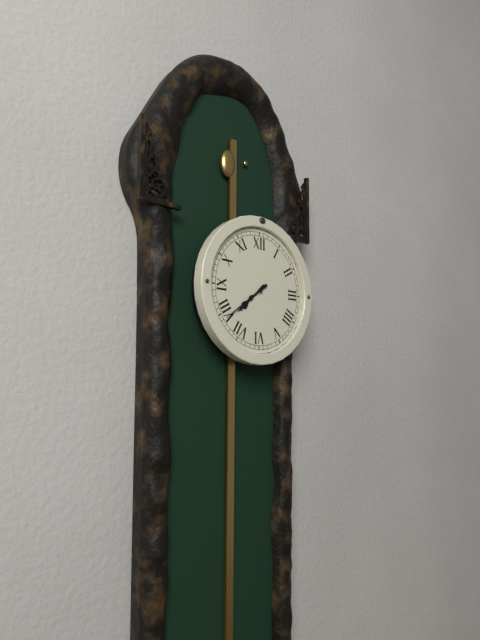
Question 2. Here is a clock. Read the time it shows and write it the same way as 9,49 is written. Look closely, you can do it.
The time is 7,39
